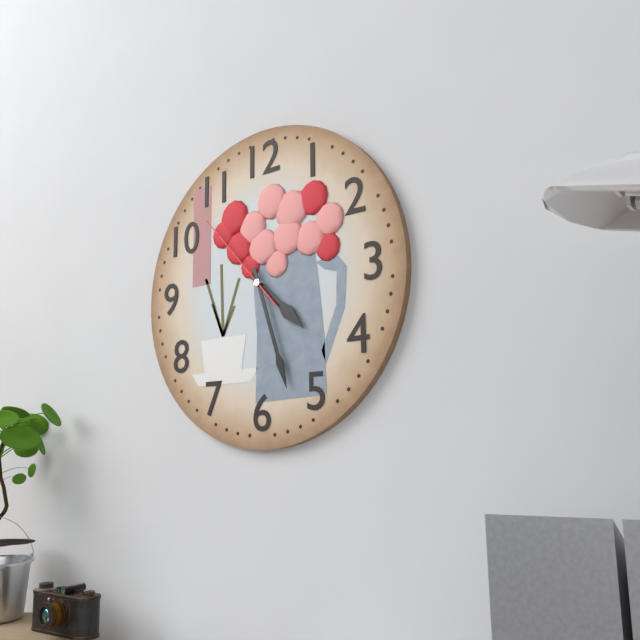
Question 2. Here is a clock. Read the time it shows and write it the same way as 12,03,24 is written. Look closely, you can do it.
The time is 4,27,53
